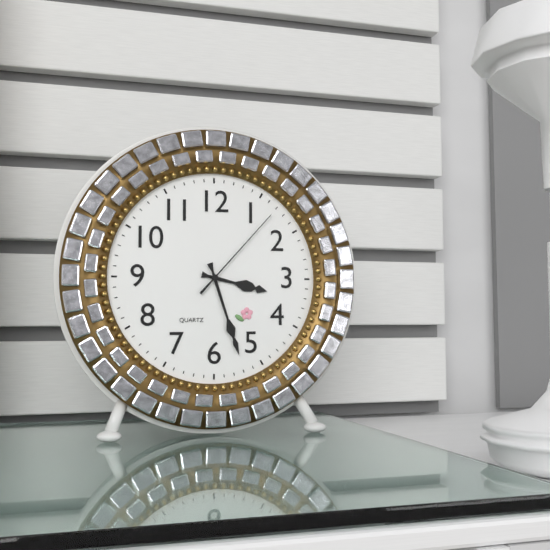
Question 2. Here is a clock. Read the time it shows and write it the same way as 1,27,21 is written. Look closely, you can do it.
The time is 3,27,07
